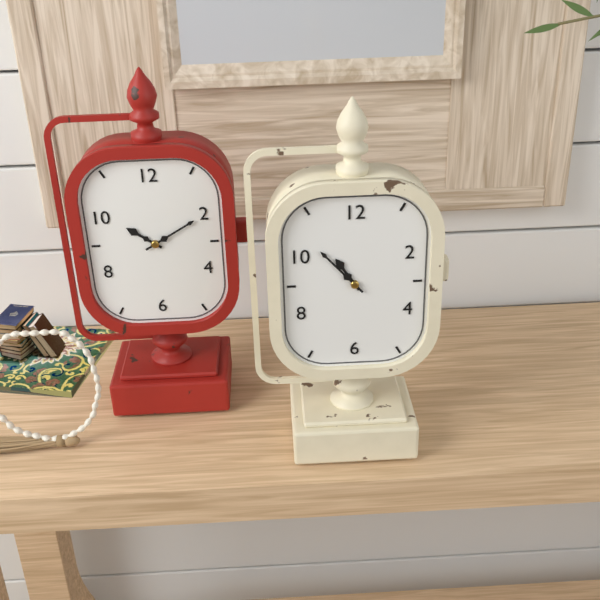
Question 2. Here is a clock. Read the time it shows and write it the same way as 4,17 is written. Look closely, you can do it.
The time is 10,53
